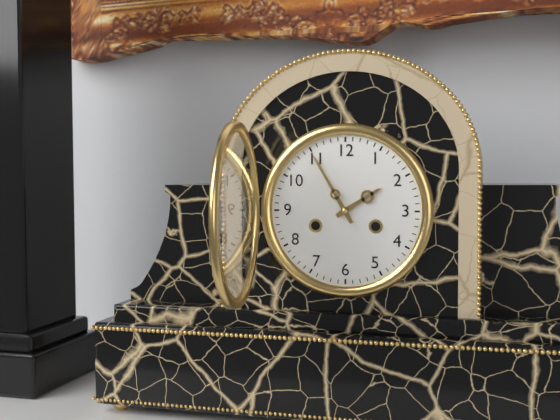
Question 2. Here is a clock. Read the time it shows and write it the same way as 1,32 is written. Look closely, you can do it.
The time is 1,55
